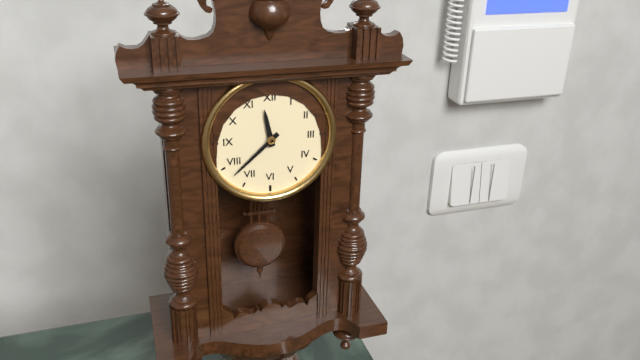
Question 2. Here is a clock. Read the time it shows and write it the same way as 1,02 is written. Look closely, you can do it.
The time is 11,38
